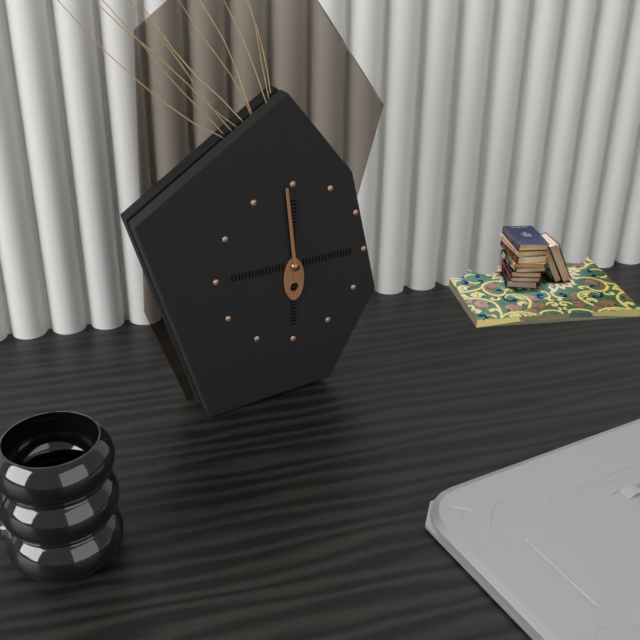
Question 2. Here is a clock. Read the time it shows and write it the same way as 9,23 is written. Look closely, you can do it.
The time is 5,59
